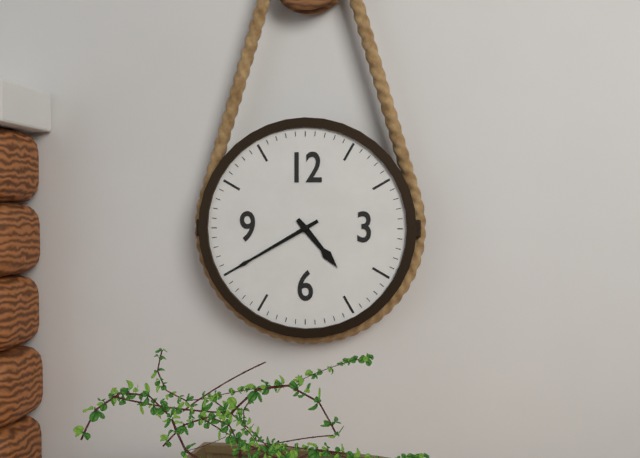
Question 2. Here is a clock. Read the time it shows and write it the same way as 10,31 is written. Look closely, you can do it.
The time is 4,40
